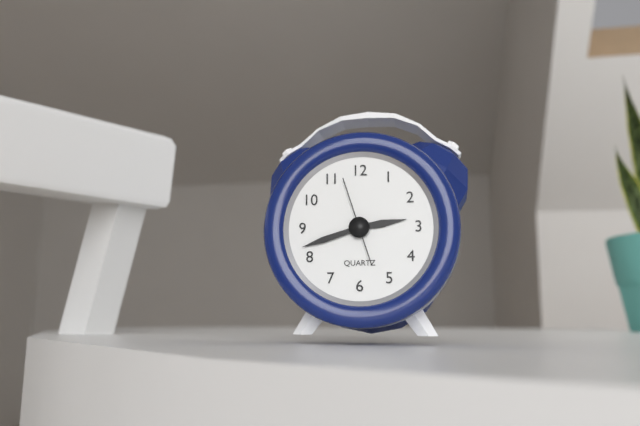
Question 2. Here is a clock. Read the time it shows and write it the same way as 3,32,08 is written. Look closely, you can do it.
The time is 2,42,57
